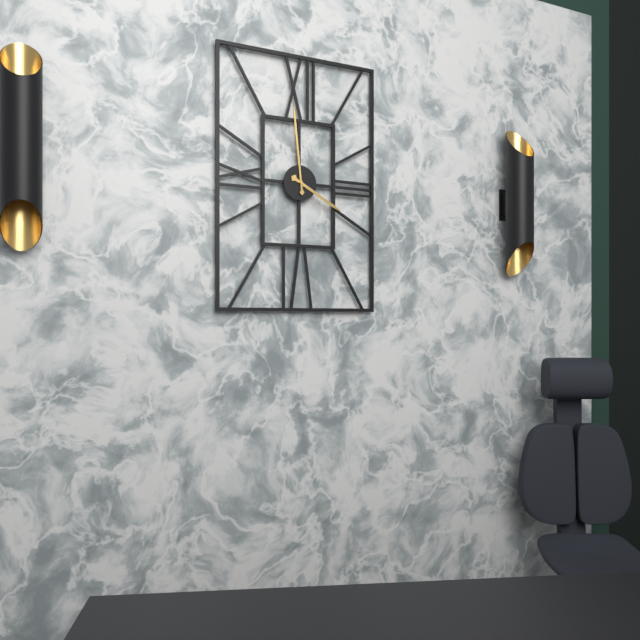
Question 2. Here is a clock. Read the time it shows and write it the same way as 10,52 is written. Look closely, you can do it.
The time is 3,59
